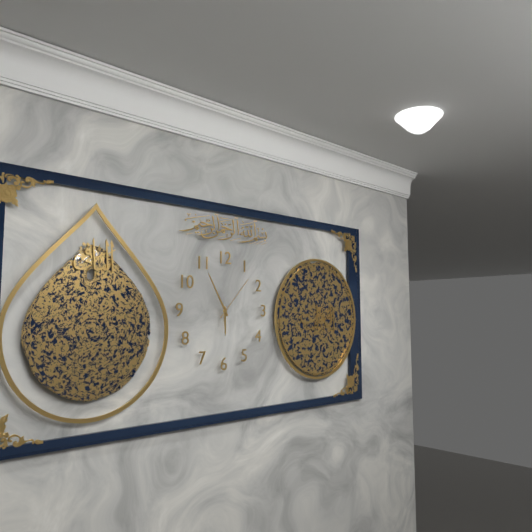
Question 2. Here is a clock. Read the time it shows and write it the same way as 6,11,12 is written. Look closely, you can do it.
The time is 5,55,07
